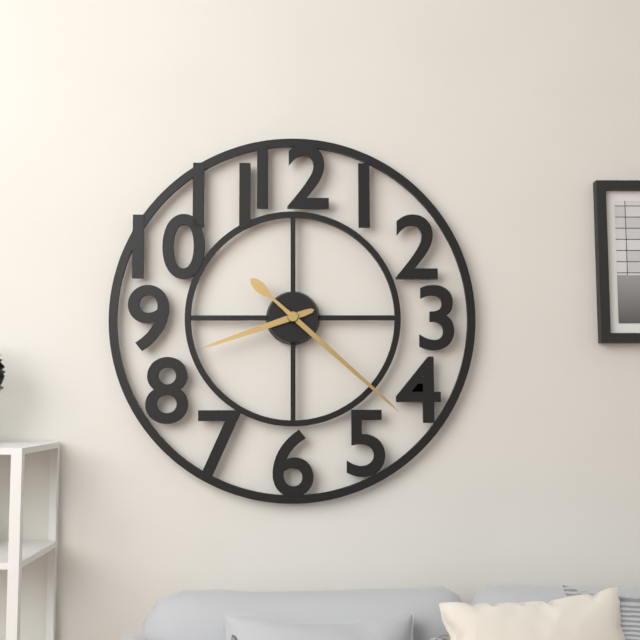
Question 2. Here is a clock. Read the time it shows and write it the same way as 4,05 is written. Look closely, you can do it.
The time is 8,22
